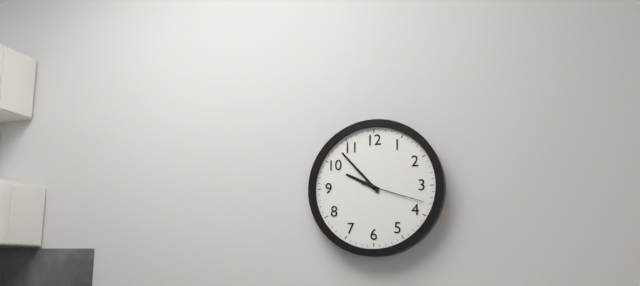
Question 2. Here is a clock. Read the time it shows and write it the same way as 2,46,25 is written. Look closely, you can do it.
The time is 9,53,18
